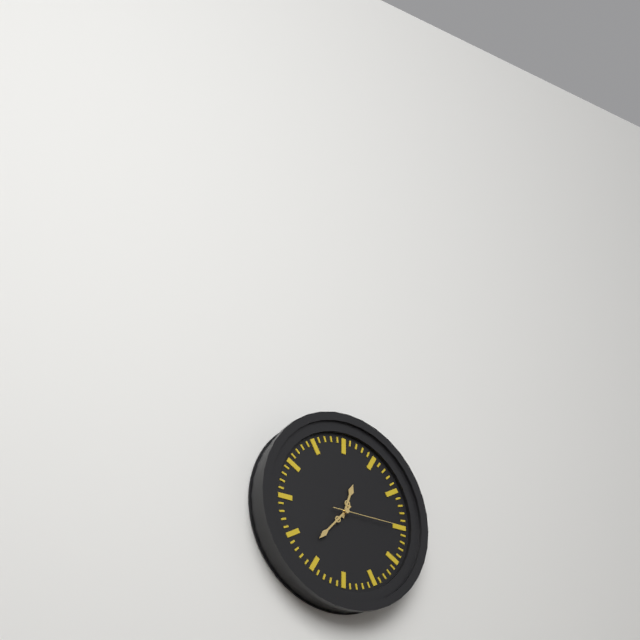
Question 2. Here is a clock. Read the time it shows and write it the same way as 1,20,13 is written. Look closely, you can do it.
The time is 12,37,15
